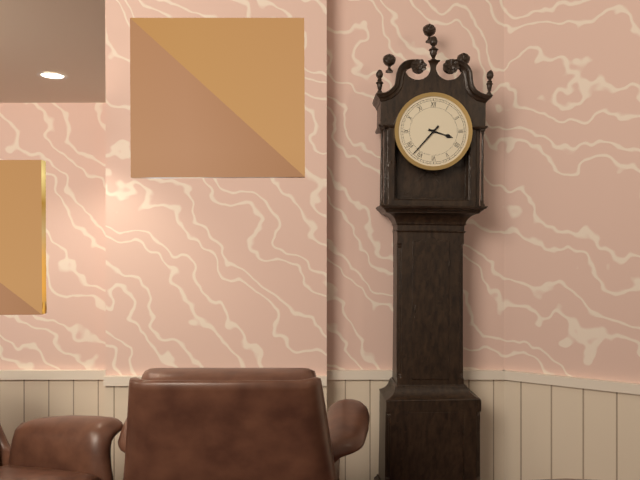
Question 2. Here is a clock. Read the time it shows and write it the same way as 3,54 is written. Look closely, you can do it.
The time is 3,37
